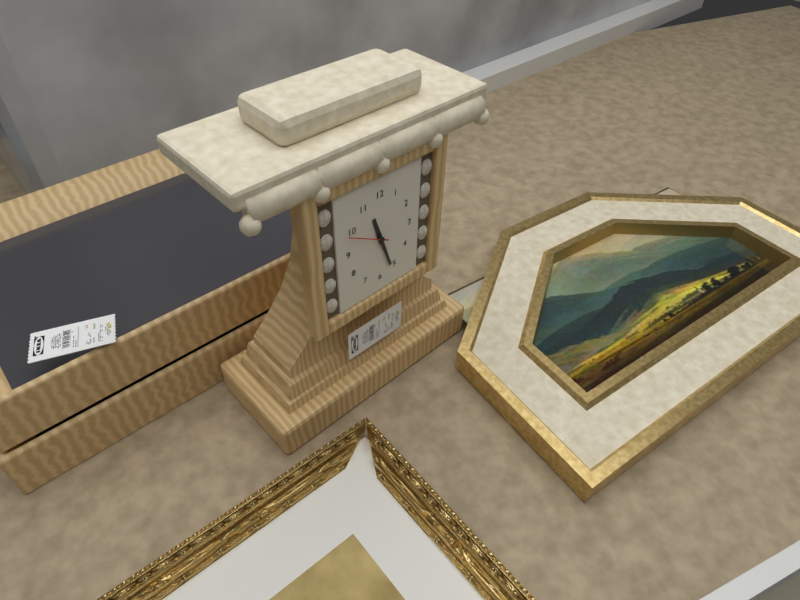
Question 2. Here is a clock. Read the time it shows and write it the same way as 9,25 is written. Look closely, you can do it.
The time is 11,27
